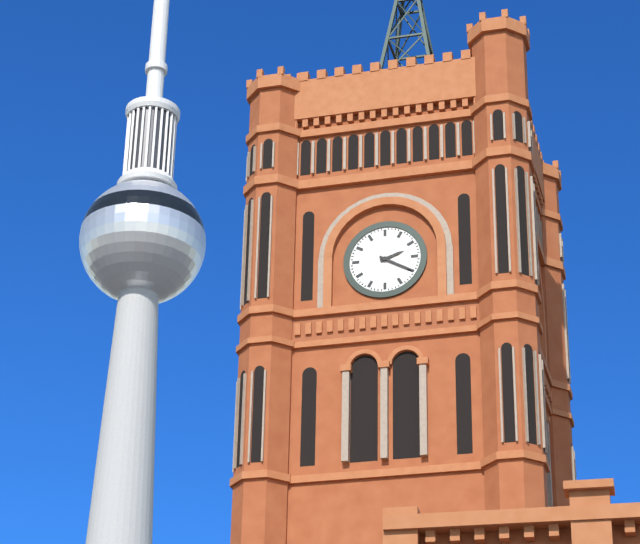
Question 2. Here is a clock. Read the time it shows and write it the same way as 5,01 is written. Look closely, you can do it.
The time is 2,20
